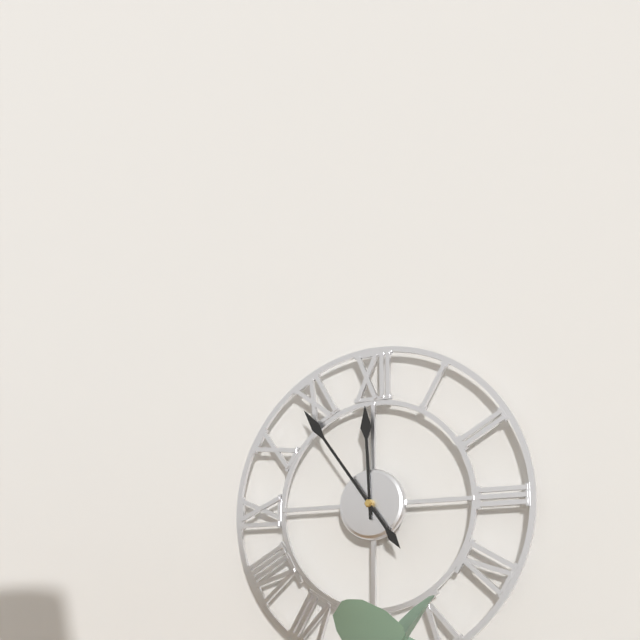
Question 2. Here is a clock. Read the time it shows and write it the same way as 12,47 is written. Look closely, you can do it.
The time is 11,54
